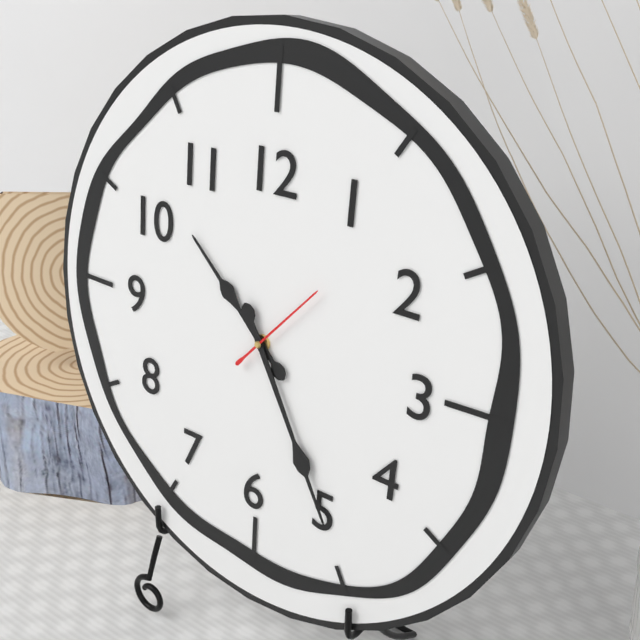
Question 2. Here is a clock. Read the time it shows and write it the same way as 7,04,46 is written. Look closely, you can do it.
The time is 10,25,07
